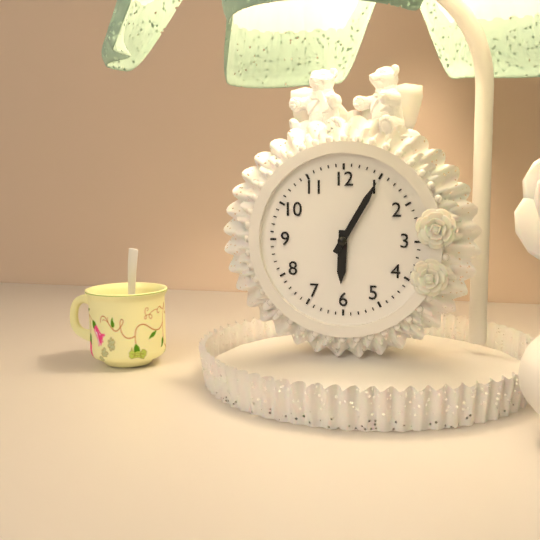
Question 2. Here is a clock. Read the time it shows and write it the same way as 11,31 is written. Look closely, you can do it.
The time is 6,05
